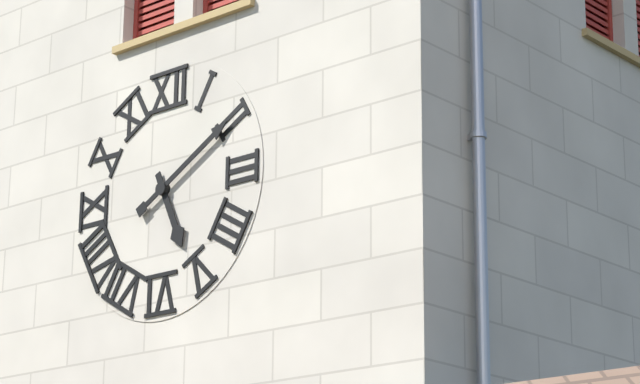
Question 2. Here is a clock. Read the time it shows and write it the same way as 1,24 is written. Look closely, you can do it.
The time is 5,10
